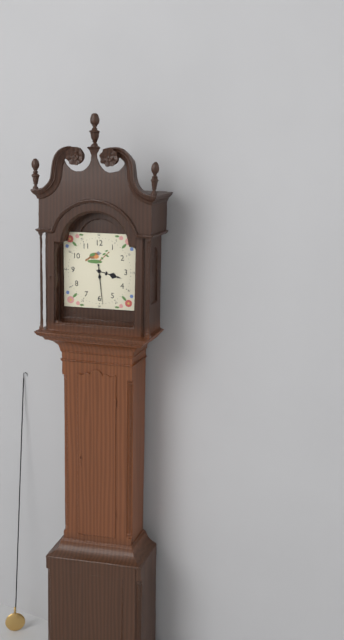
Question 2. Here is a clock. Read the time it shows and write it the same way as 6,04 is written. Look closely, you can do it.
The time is 3,29
